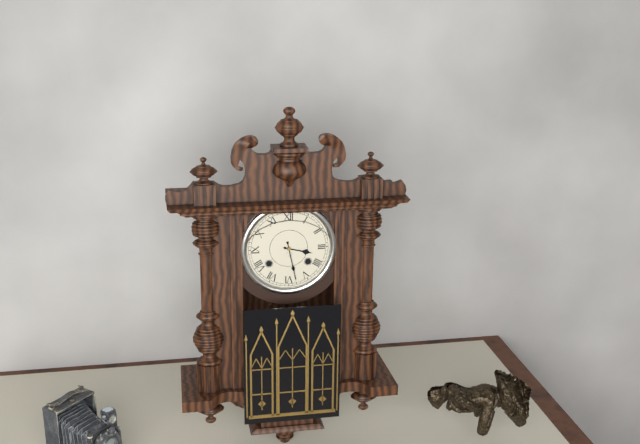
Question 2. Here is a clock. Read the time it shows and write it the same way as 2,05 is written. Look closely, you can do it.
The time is 3,28
